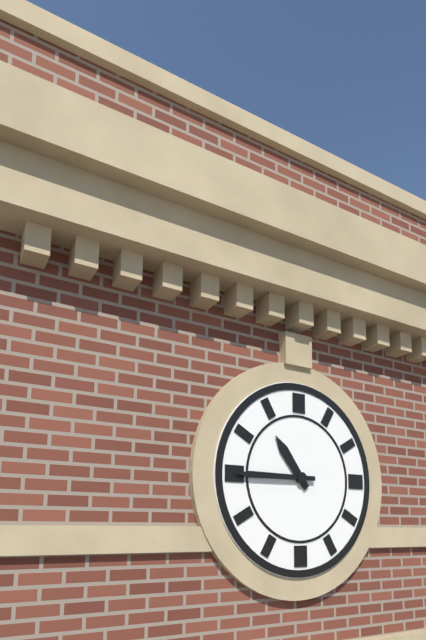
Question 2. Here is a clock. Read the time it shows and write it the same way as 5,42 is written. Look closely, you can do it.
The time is 10,45
